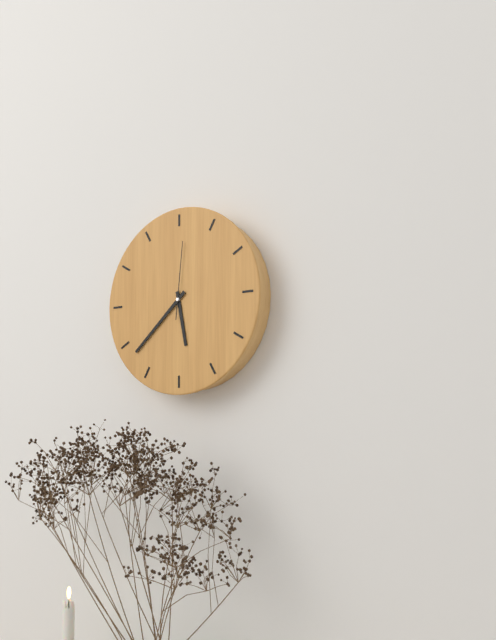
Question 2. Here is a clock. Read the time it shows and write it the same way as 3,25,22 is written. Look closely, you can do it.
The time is 5,38,01
